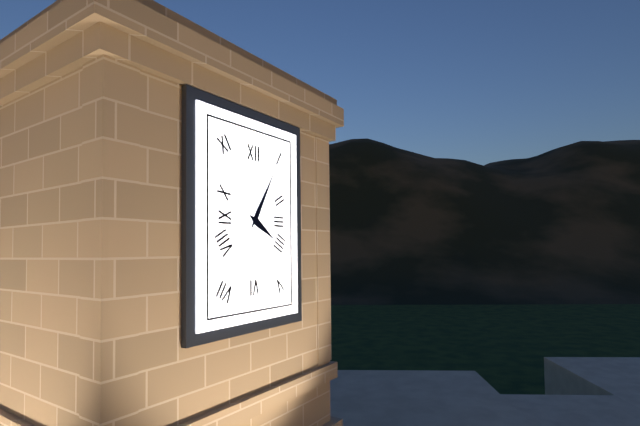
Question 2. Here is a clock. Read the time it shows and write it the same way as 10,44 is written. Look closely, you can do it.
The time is 4,05
